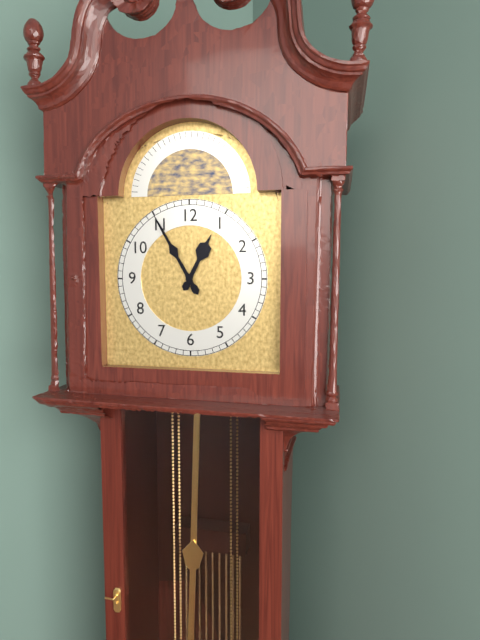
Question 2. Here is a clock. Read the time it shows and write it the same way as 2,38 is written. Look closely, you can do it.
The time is 12,55
